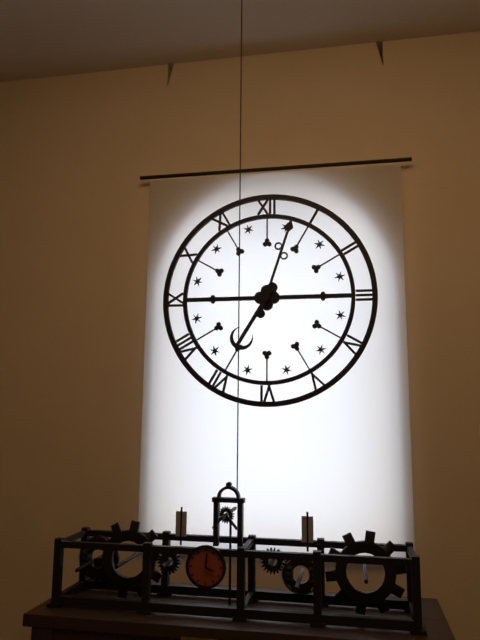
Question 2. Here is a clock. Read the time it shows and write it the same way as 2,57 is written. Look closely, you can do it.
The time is 7,03
